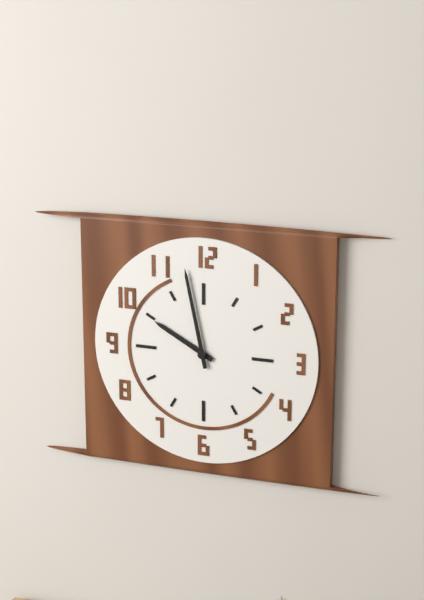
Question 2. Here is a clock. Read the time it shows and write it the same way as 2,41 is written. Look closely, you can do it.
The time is 9,58
